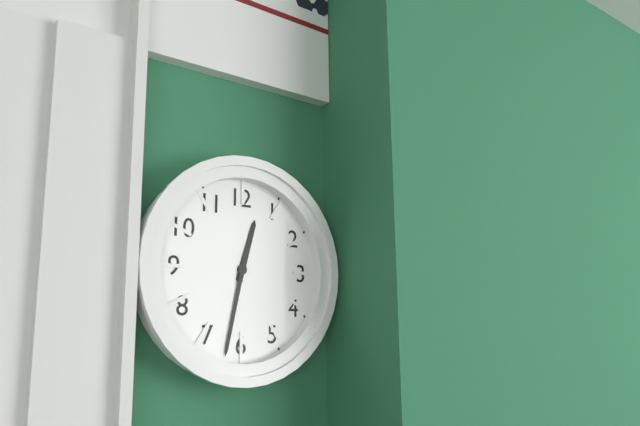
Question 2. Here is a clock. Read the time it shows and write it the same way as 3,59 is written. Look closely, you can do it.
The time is 12,32
